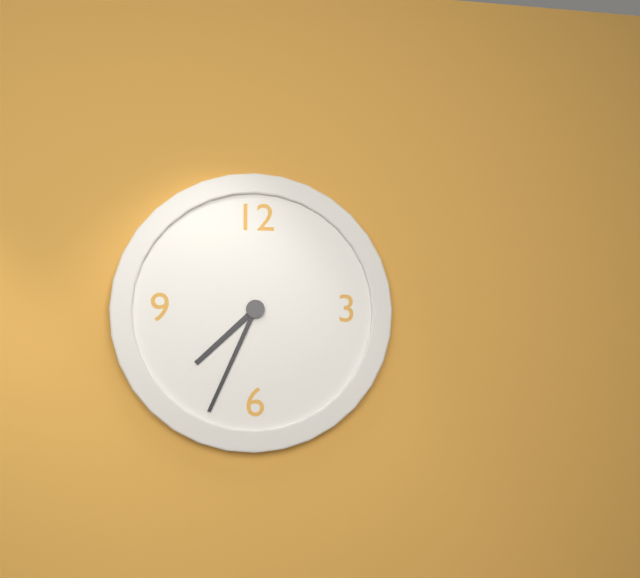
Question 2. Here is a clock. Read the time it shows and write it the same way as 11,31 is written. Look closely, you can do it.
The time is 7,34
